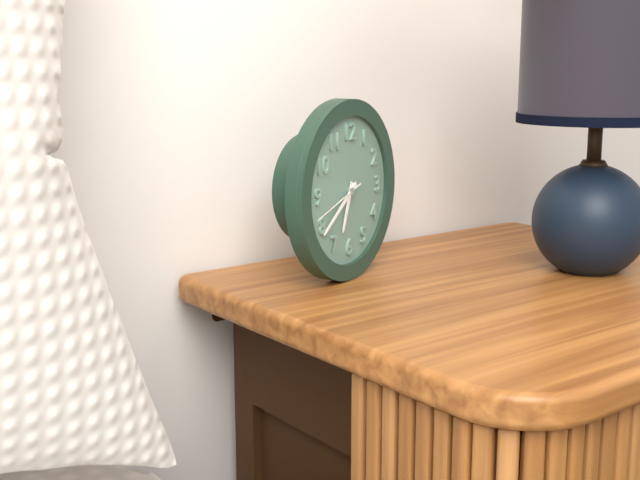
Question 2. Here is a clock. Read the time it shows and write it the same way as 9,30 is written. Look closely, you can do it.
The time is 6,39
